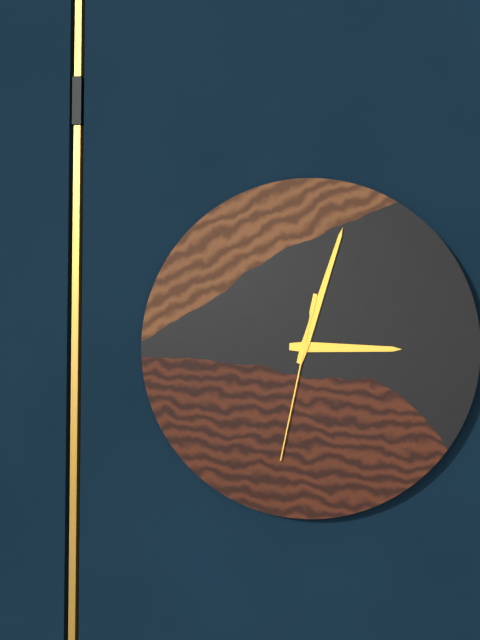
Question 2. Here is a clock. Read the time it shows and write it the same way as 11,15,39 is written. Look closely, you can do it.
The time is 3,03,32
